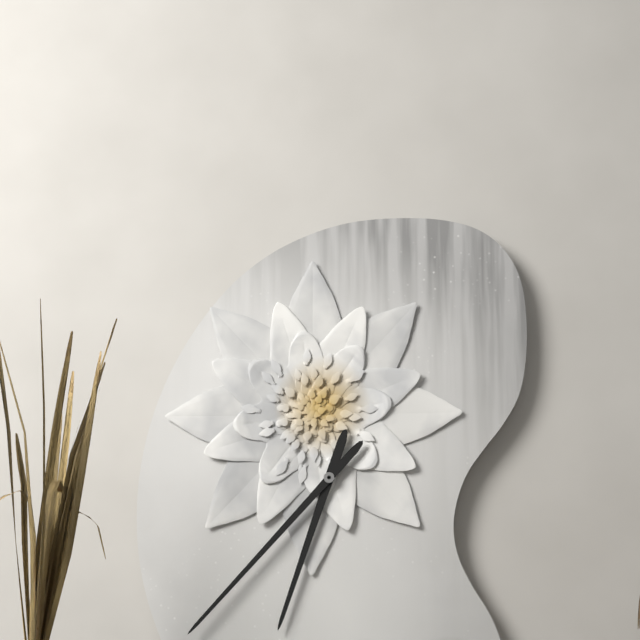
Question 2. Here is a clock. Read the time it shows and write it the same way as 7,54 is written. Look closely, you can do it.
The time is 6,37
